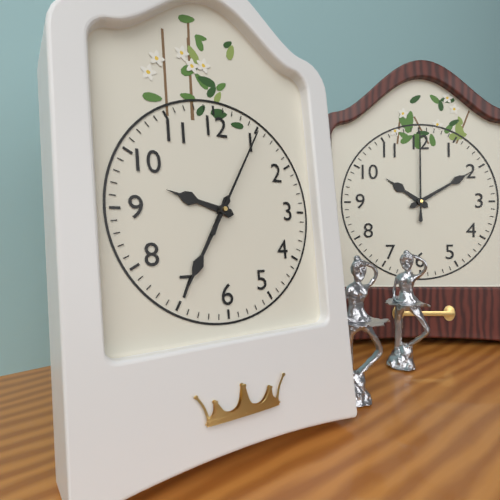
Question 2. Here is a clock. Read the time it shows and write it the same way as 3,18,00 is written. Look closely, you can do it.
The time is 9,35,05
